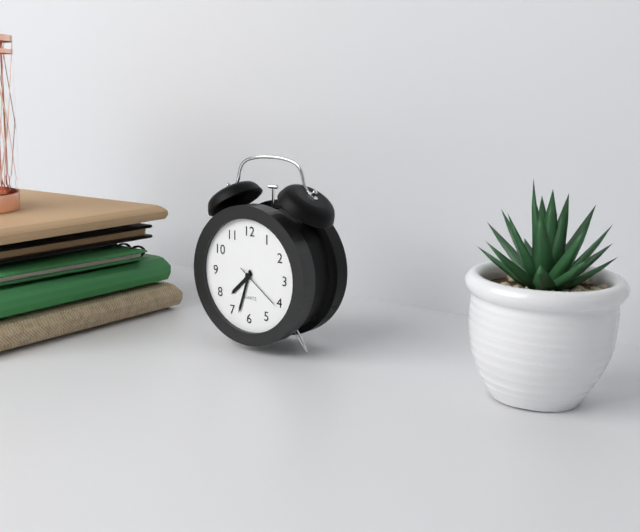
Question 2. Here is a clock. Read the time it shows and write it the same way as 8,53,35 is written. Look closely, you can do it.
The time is 7,33,21
